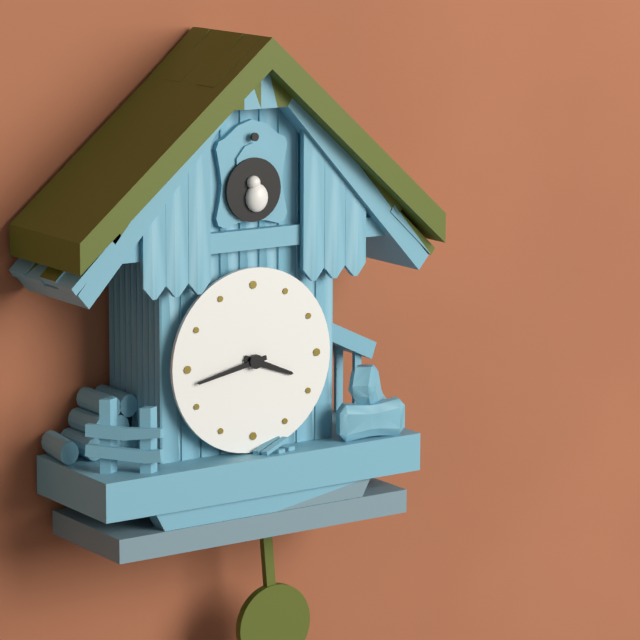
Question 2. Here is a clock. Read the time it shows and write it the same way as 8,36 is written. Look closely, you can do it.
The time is 3,43
